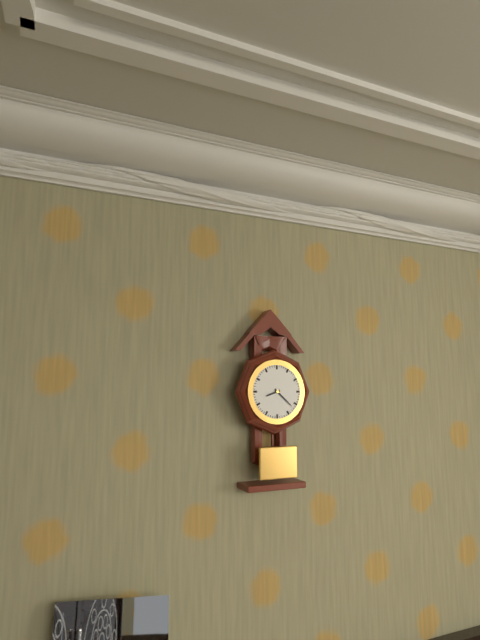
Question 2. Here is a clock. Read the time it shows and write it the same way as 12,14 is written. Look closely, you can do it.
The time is 8,22
